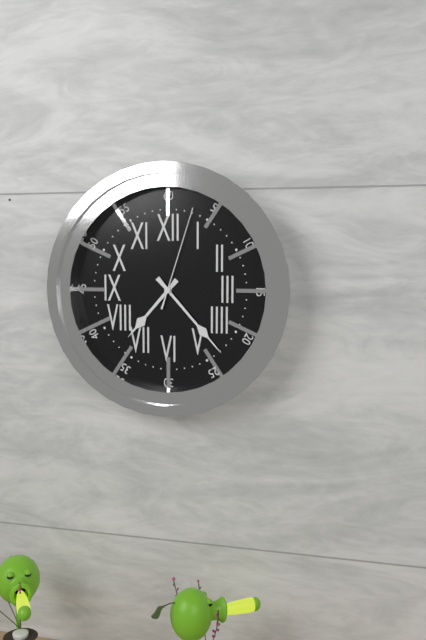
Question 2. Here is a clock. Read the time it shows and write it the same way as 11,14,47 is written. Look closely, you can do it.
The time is 7,23,03
